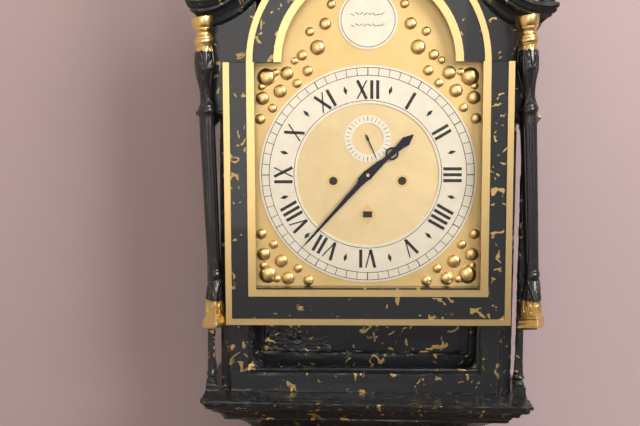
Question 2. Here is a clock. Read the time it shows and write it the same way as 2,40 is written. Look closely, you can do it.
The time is 1,37
